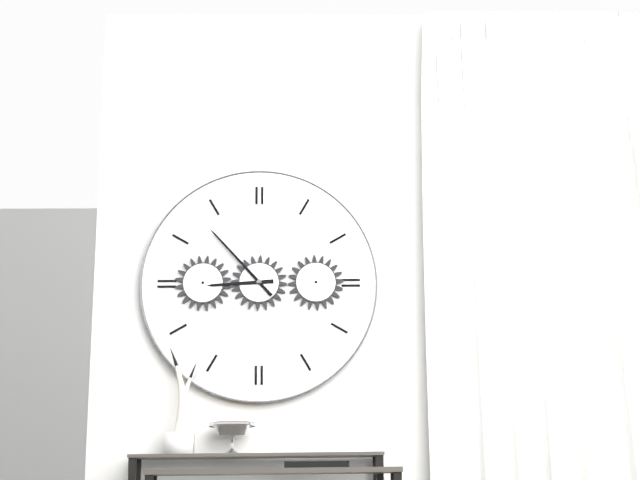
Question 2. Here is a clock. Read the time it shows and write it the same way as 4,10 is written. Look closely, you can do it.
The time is 8,53
